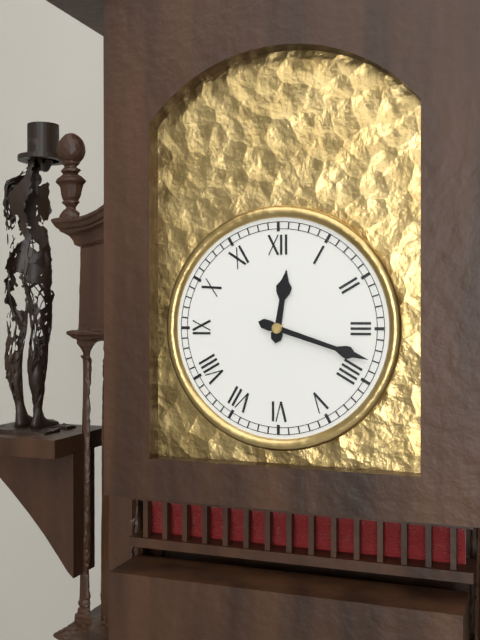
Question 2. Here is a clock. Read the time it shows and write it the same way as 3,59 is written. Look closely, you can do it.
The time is 12,18
